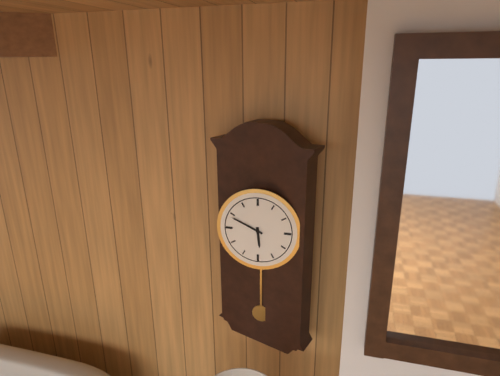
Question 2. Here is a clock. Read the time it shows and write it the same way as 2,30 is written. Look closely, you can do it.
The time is 5,49
